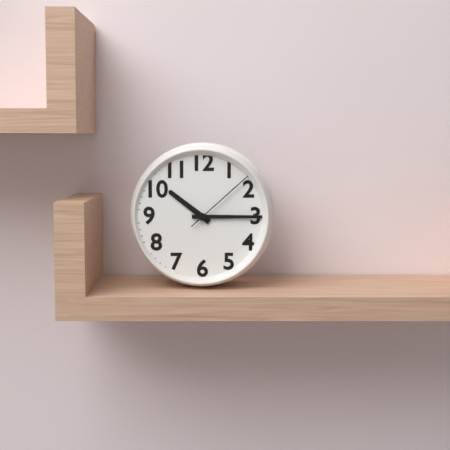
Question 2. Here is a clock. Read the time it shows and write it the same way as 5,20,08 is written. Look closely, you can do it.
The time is 10,15,08
